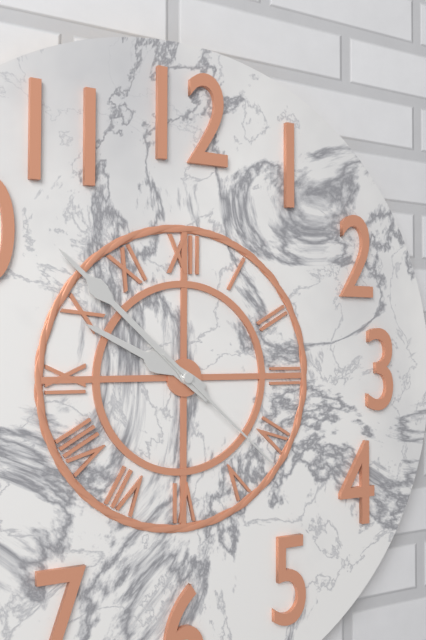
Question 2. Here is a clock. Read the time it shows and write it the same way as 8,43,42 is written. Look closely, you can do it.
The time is 9,52,22
